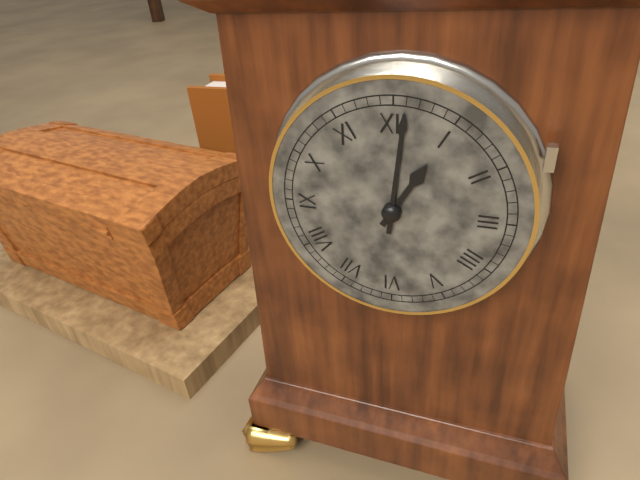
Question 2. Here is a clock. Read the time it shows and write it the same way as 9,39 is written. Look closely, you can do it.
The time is 1,01
